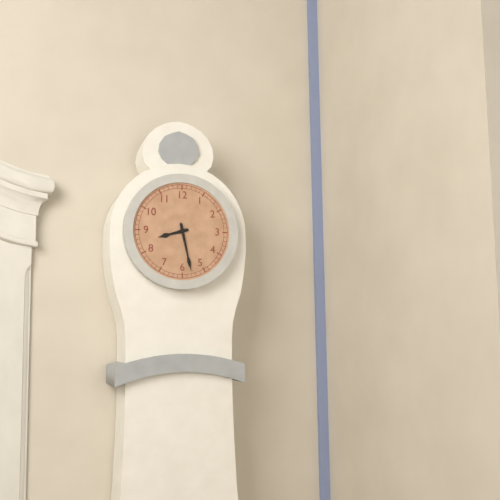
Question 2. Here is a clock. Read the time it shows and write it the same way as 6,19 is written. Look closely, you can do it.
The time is 8,28
